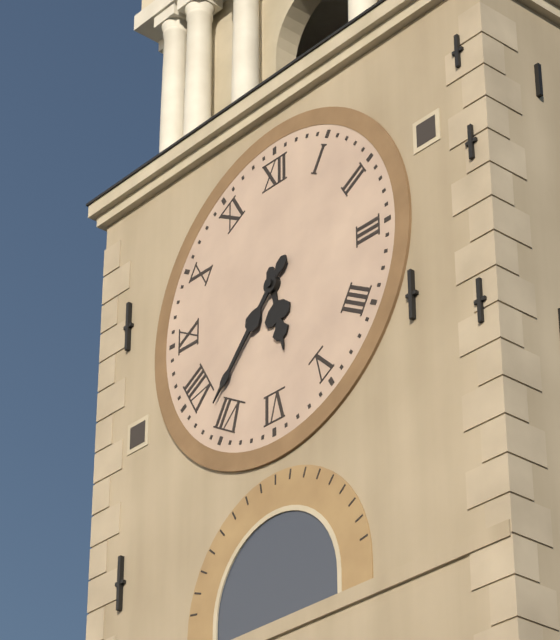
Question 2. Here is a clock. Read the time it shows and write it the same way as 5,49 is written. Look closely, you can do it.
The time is 5,37
